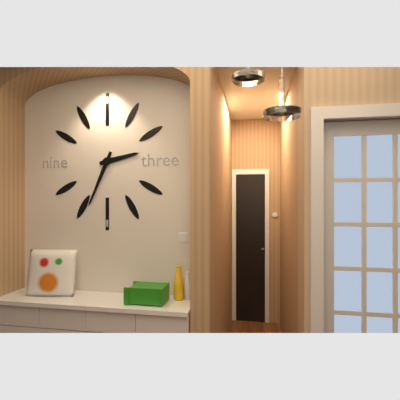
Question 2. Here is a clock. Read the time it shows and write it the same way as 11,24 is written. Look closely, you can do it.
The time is 2,34
